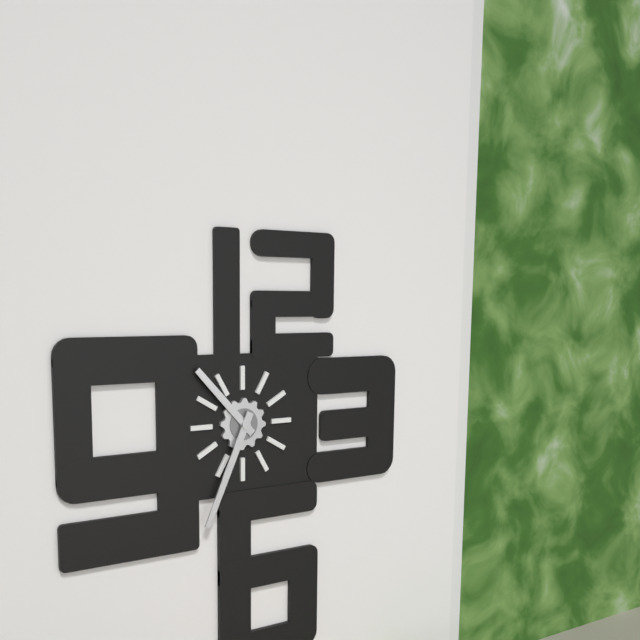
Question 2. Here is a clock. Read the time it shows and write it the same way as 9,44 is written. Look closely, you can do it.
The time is 10,34
